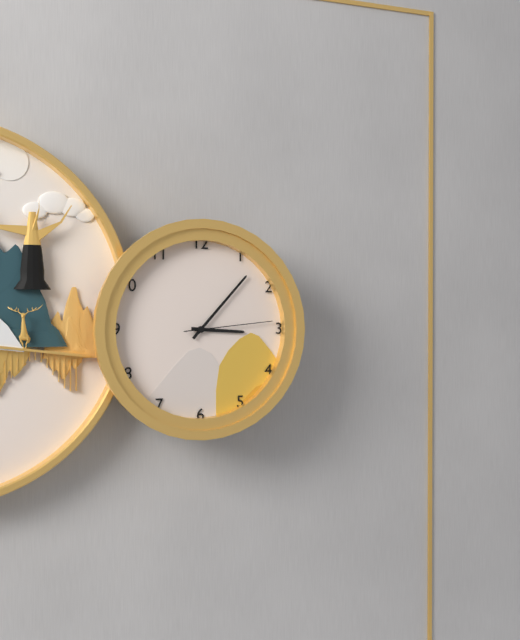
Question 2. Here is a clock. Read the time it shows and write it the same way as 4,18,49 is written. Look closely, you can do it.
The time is 3,07,14
